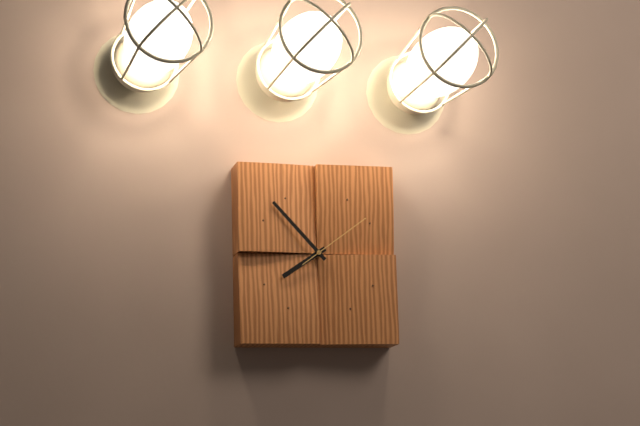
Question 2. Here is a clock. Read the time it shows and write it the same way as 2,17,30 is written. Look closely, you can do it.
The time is 7,53,09
